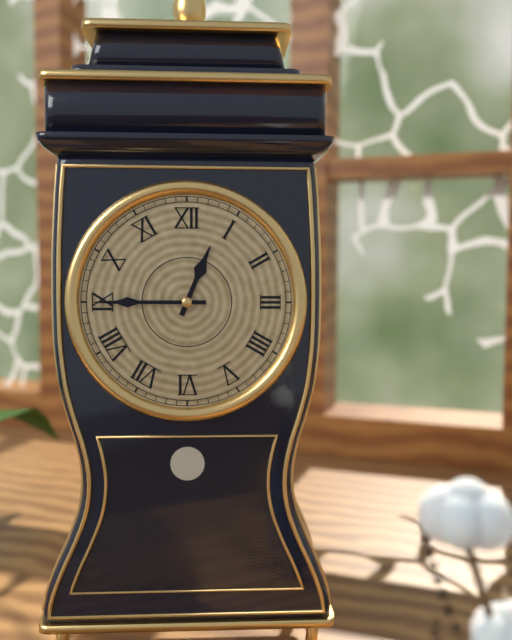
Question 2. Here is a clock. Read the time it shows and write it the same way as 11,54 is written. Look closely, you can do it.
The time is 12,45
